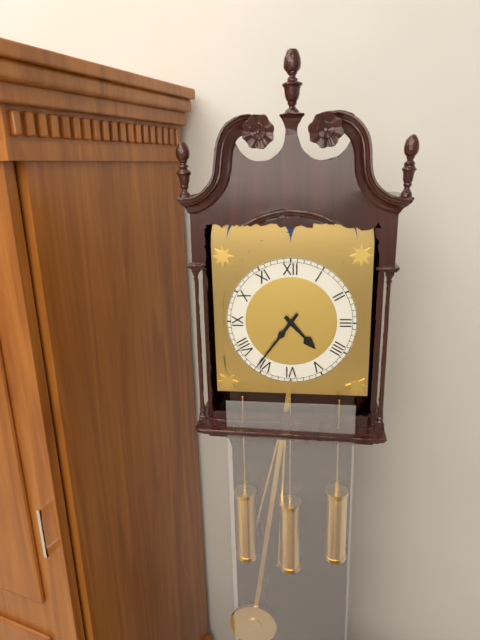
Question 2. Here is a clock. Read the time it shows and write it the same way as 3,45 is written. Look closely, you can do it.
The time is 4,36
